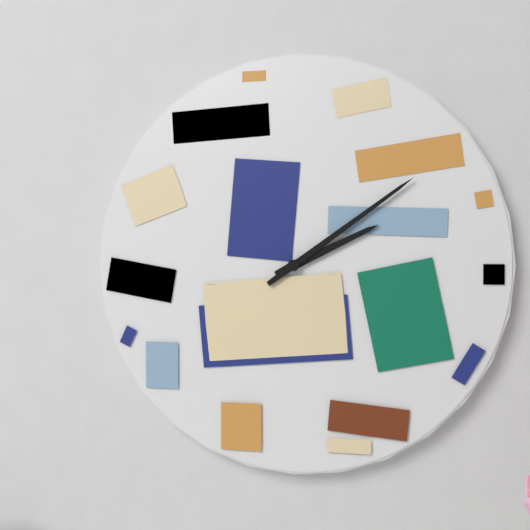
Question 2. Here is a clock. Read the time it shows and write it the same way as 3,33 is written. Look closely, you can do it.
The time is 2,09
